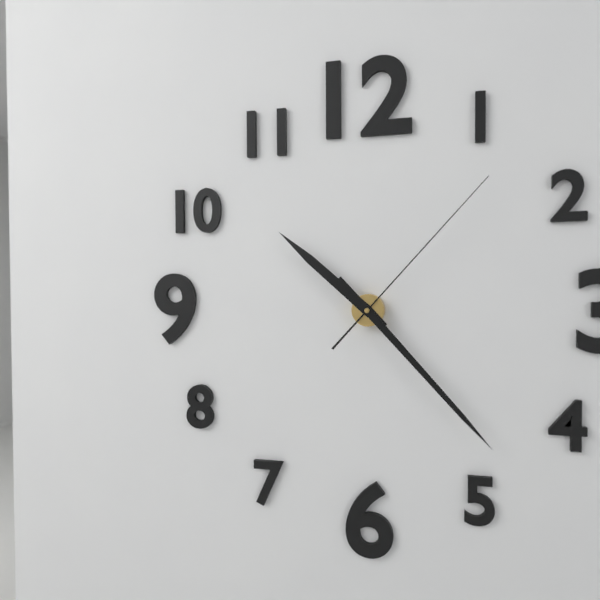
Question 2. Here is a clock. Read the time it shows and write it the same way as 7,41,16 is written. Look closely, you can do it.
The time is 10,23,07
